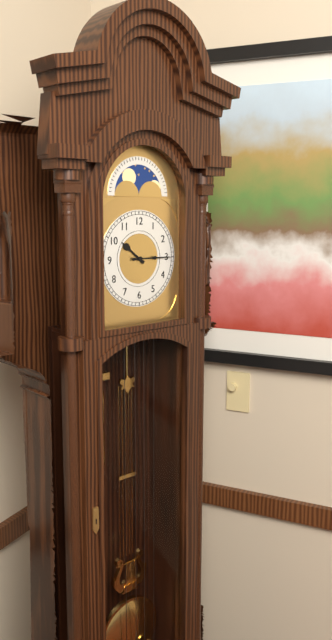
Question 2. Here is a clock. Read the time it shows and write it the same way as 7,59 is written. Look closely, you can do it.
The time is 10,15
